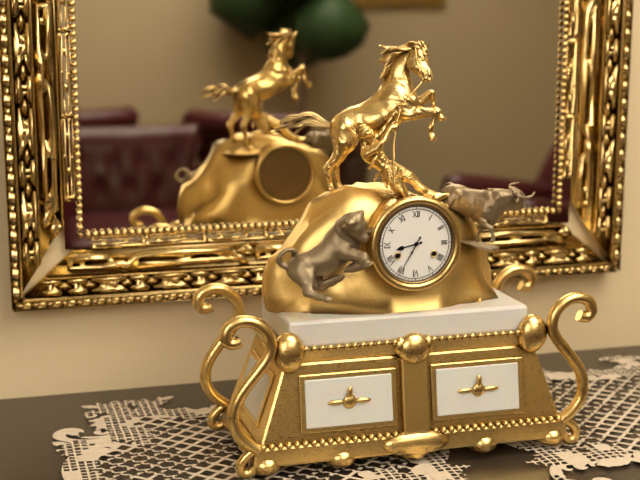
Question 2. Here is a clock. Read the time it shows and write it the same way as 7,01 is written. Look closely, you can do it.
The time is 8,35
